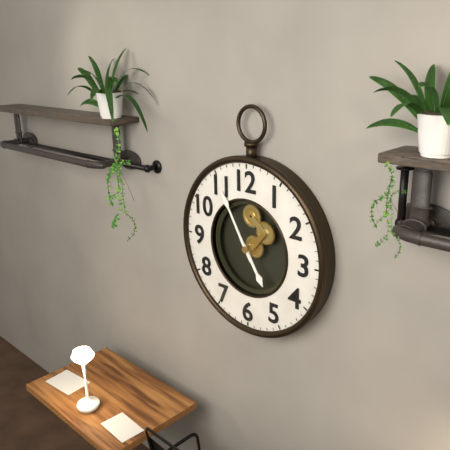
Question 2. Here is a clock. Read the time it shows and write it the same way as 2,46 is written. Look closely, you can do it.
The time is 4,55
